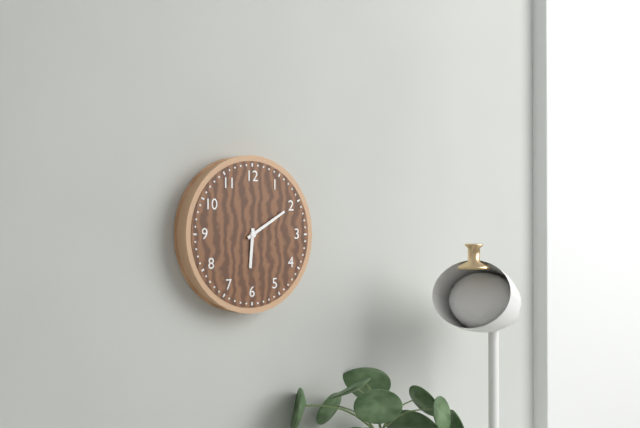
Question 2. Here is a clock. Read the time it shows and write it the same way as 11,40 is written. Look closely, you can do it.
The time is 6,10
